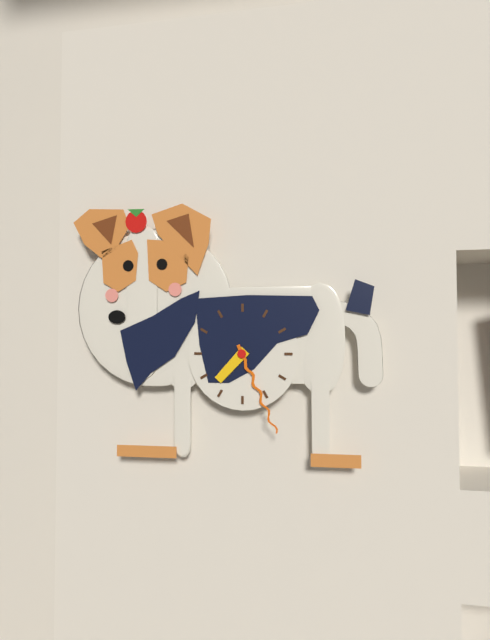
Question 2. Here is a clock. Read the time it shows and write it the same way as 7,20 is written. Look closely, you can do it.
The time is 7,26
